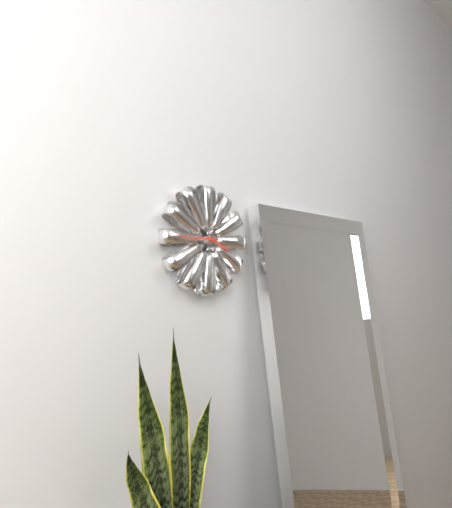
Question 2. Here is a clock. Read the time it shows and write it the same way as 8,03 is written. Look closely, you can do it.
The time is 3,45
